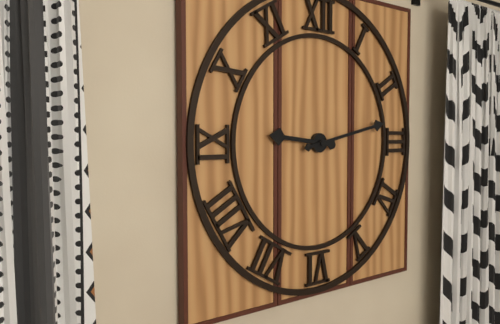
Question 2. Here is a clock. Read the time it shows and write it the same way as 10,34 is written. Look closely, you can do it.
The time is 9,13
